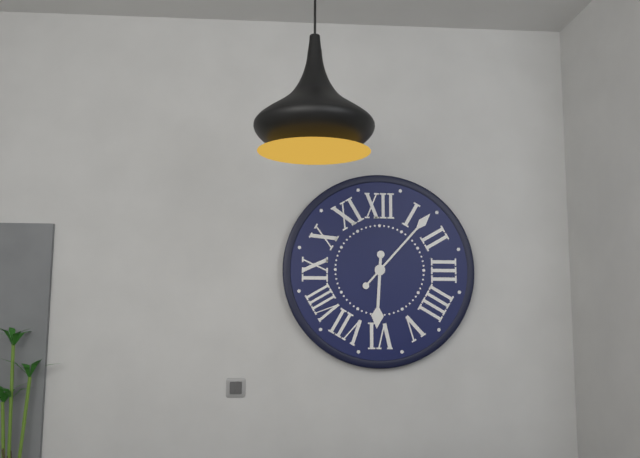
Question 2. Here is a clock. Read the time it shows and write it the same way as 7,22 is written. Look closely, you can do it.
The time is 6,07
